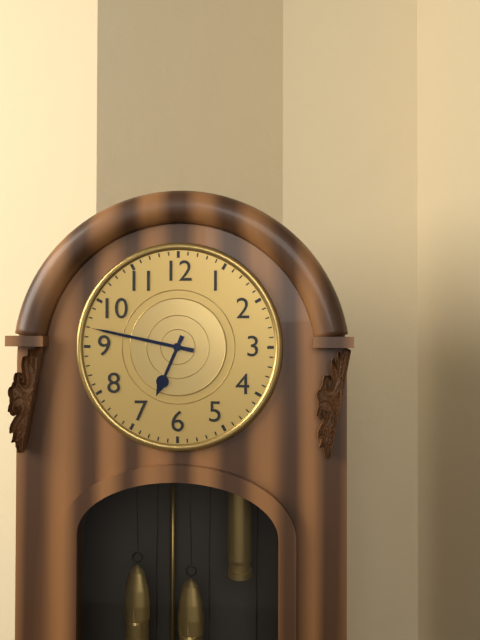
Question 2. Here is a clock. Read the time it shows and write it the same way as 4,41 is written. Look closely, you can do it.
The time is 6,47
